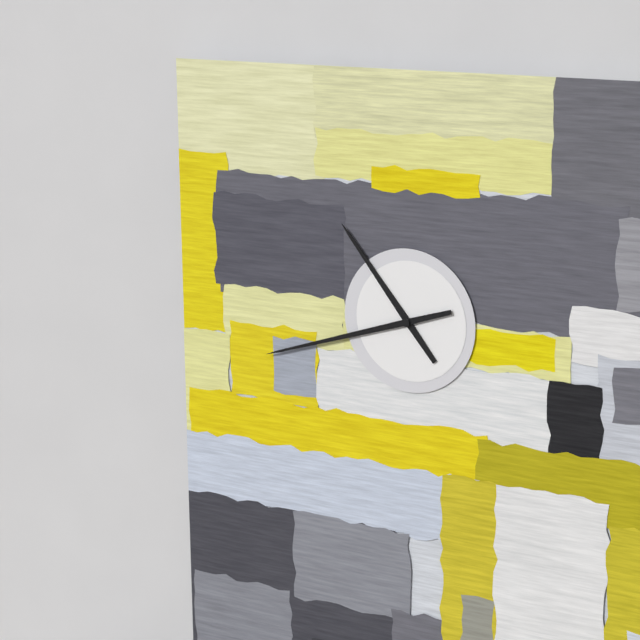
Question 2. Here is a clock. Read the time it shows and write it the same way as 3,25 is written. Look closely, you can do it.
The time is 10,42
